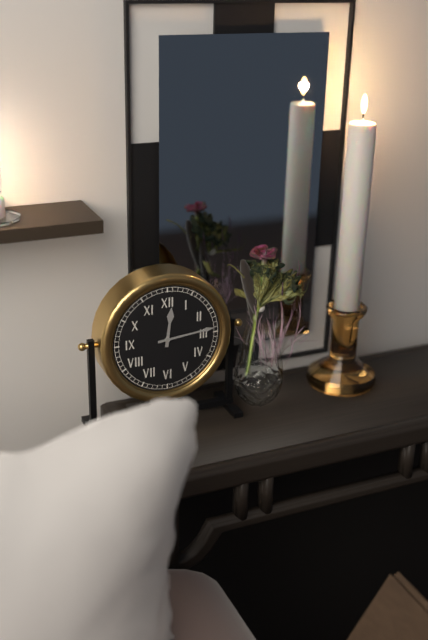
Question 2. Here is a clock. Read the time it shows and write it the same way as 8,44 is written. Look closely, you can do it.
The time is 12,14
